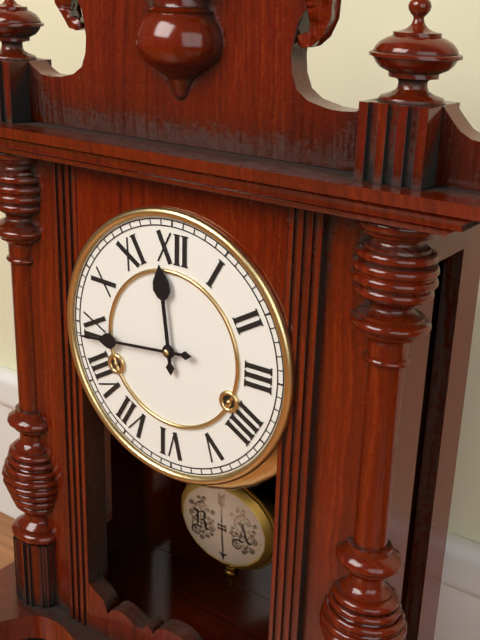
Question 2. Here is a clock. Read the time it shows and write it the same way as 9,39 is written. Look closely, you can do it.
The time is 11,44
